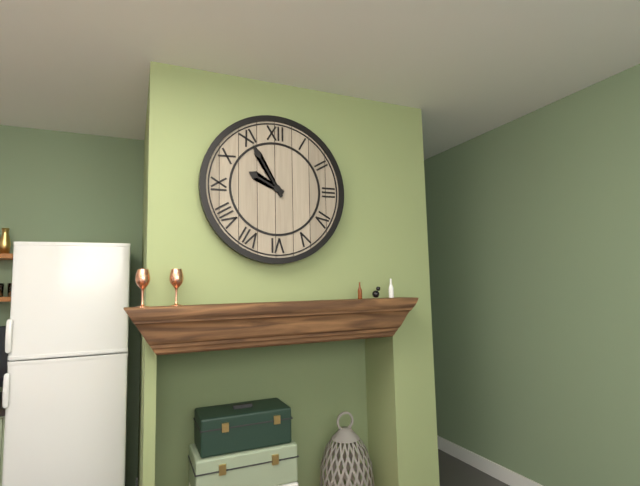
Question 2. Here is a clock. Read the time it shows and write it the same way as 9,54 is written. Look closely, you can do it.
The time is 9,55
